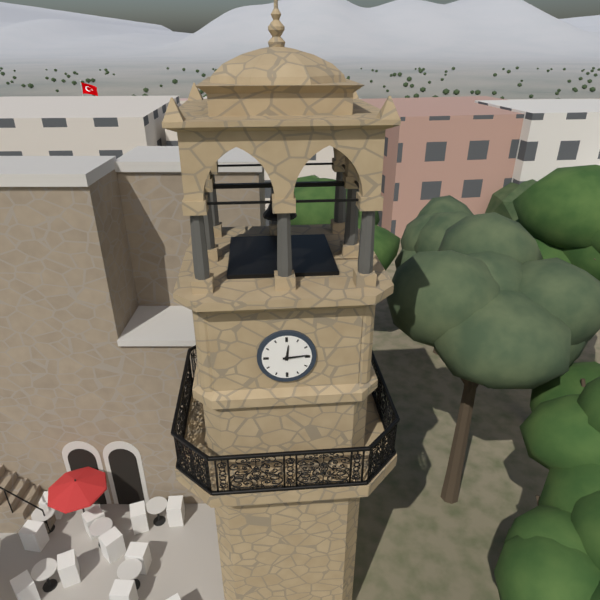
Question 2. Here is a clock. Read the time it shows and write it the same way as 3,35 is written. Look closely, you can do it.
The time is 12,14
